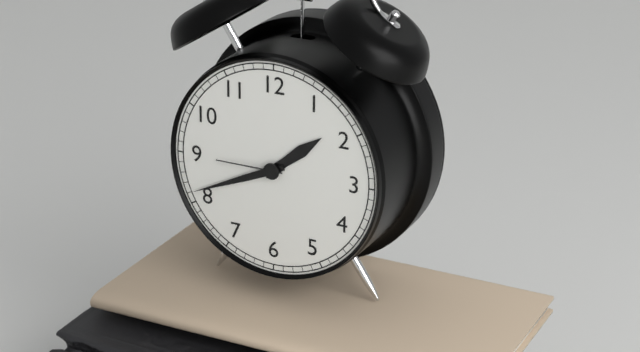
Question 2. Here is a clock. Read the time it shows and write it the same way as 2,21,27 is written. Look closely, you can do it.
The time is 1,41,45
